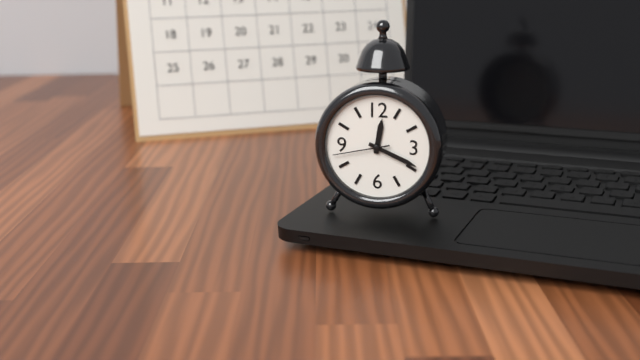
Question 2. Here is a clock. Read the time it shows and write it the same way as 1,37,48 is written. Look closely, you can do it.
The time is 12,19,43
